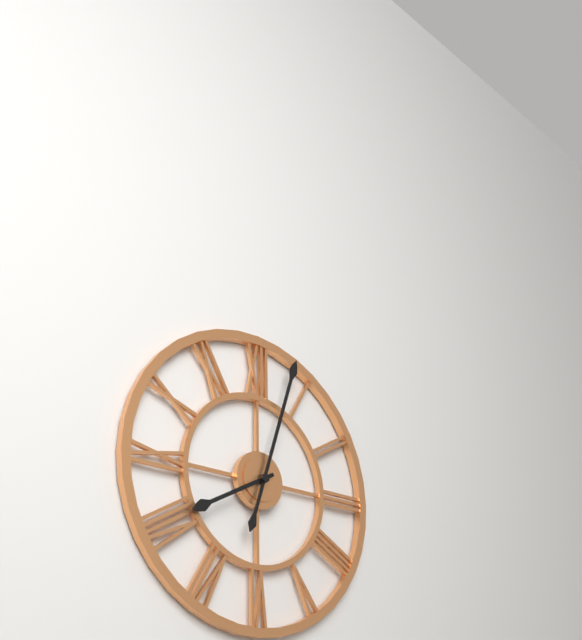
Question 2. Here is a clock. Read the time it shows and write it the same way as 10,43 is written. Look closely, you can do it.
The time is 8,03
